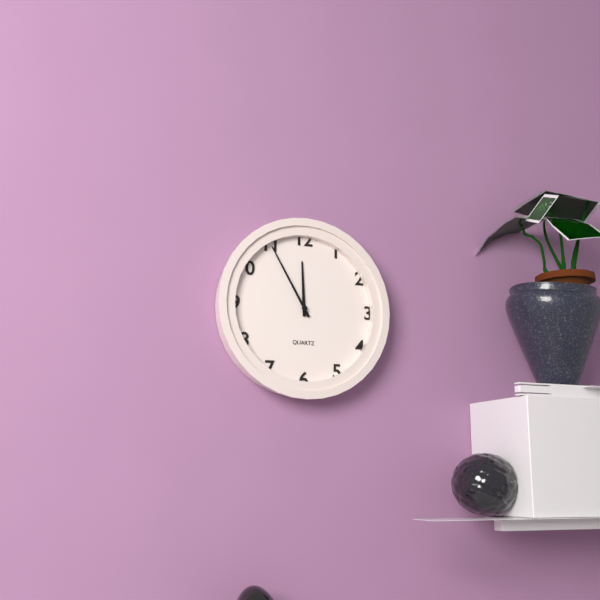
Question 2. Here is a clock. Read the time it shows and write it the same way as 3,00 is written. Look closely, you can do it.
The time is 11,55
